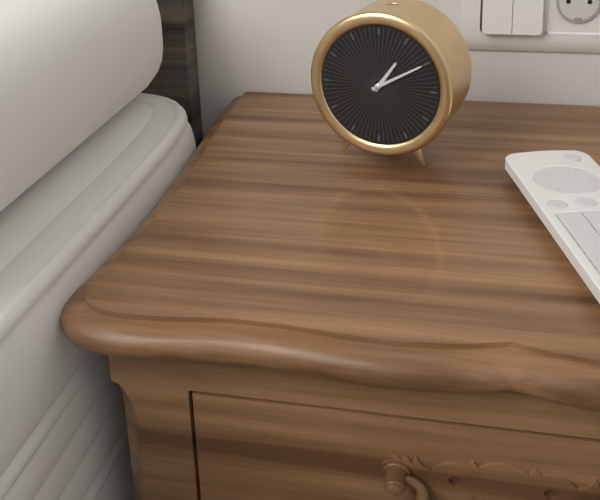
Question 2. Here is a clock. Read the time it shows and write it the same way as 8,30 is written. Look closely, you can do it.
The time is 1,10
